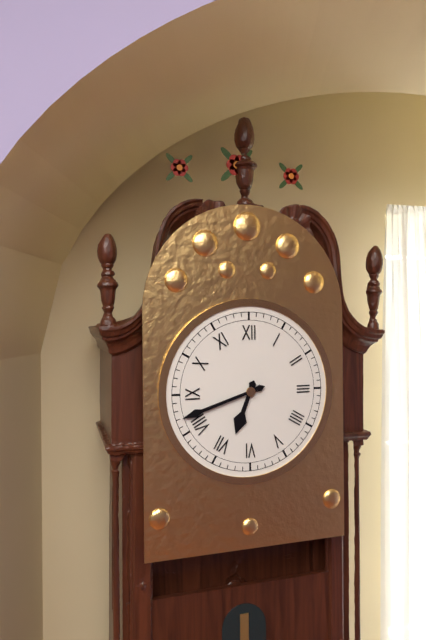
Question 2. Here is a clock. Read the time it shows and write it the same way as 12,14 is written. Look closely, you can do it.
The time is 6,42
